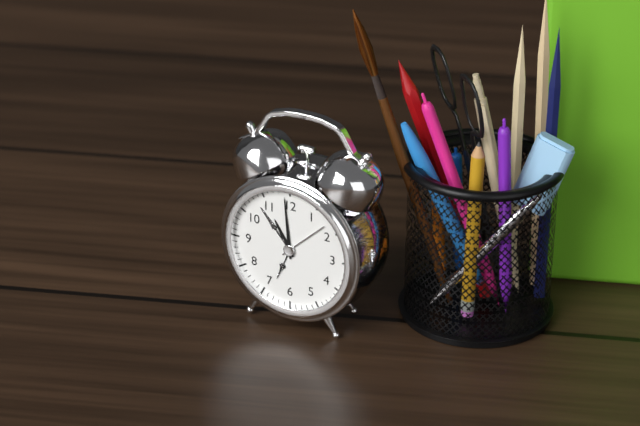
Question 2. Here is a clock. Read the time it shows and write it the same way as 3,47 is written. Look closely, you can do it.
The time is 10,59
